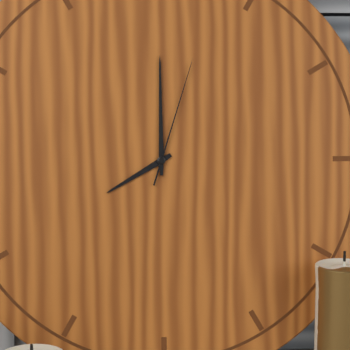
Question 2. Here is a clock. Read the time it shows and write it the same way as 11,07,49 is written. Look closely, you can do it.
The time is 8,00,03
